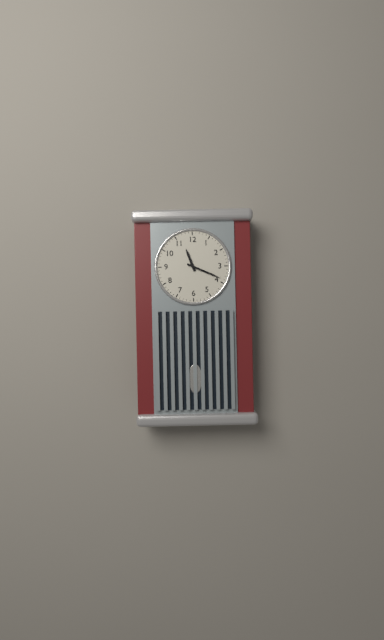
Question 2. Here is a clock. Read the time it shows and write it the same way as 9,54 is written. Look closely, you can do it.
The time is 11,19
